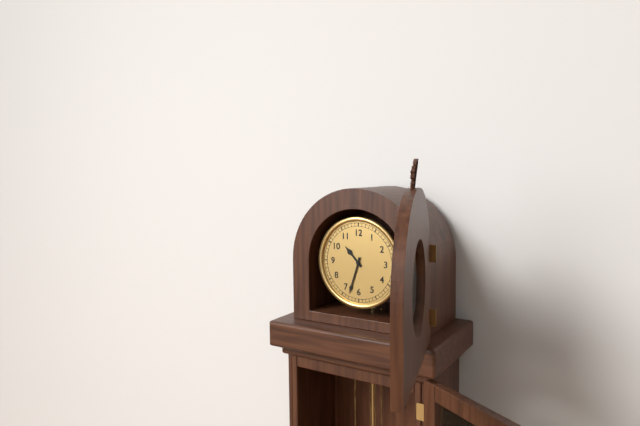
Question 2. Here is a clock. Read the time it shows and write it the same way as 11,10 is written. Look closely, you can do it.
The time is 10,33
